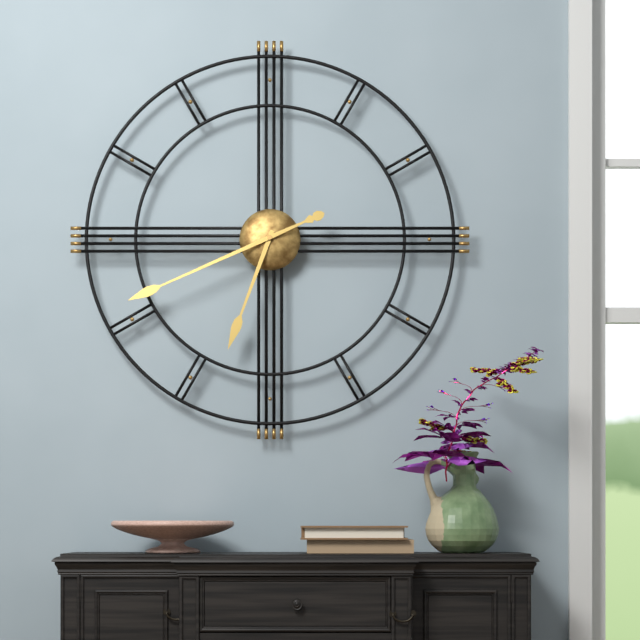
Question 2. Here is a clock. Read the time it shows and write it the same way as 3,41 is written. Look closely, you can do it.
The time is 6,41
